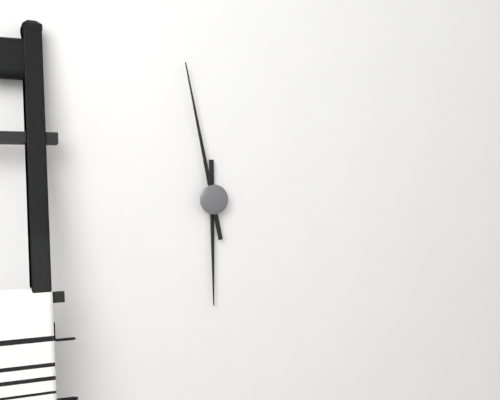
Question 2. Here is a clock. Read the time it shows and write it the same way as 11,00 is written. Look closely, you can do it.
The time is 5,58
